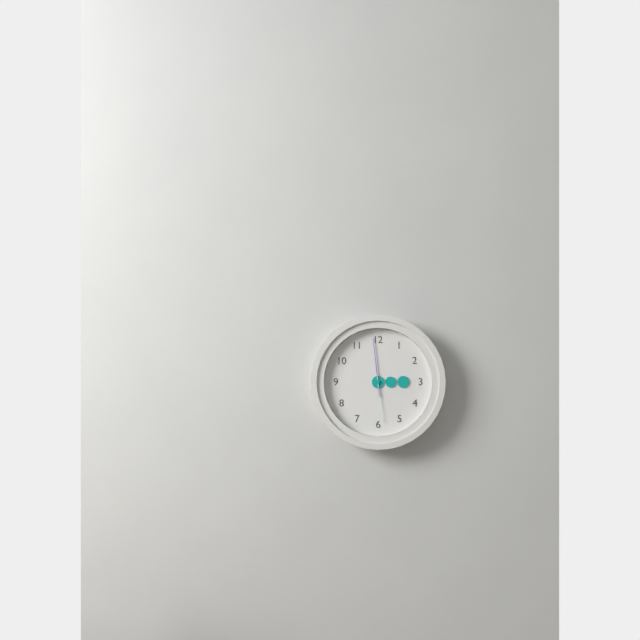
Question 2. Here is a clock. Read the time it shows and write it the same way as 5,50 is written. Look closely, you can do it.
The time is 2,59
